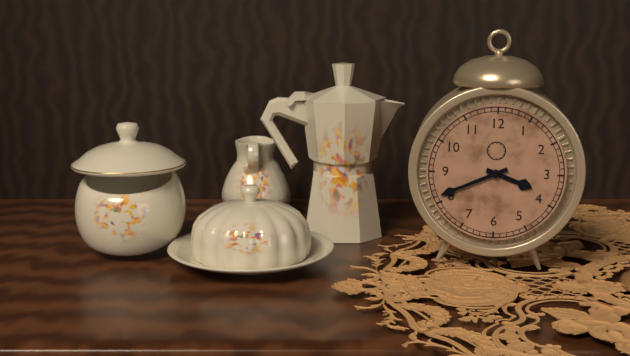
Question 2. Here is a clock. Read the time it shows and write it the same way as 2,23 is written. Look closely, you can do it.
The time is 3,41
